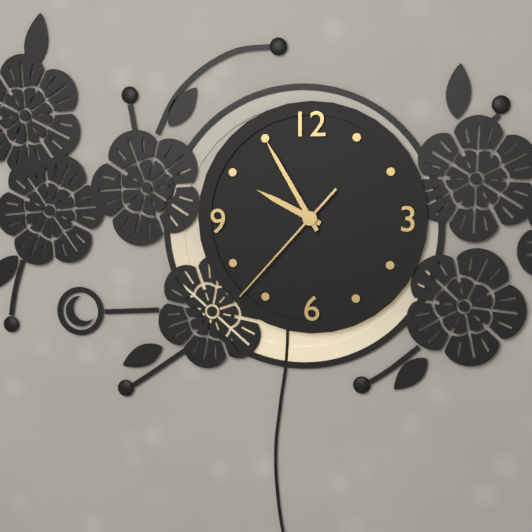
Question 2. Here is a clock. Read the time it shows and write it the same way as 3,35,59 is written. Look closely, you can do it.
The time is 9,55,37
